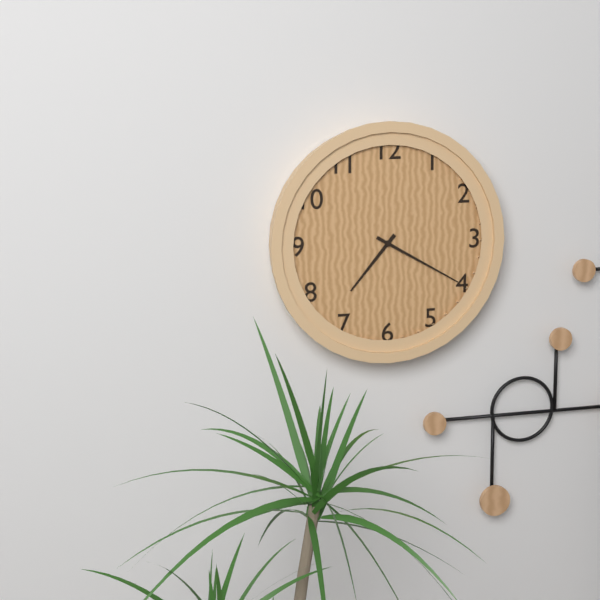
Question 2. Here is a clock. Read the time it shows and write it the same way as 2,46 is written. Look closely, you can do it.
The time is 7,20
